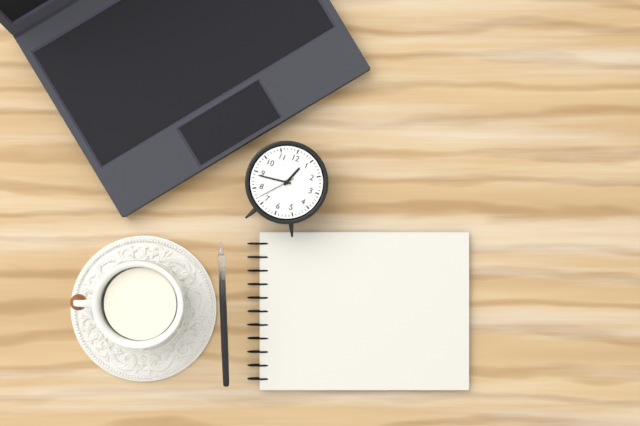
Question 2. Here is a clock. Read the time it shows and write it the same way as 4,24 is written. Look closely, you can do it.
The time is 12,44
